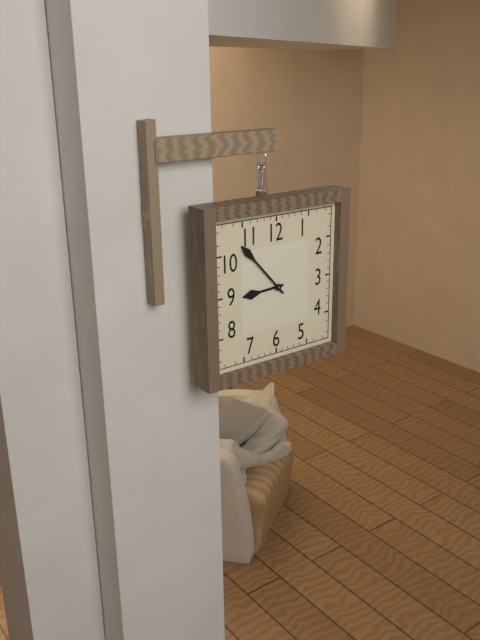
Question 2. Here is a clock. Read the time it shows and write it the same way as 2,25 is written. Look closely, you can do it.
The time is 8,53
